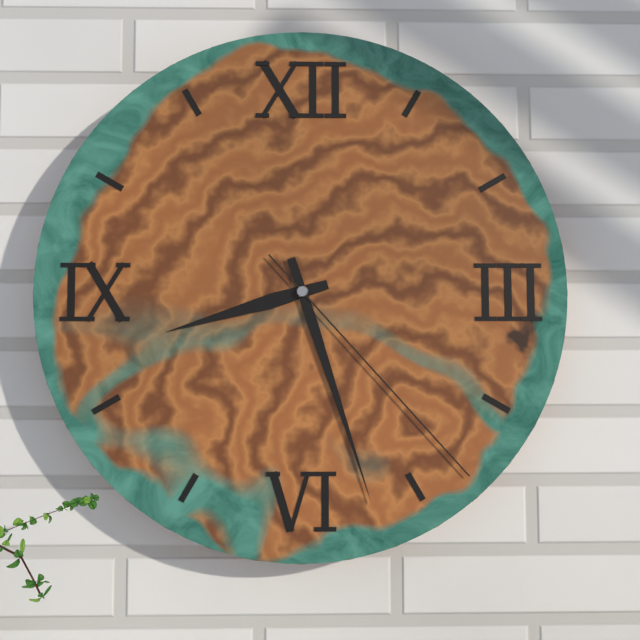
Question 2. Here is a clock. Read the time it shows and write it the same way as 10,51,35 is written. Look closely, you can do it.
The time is 8,27,23
